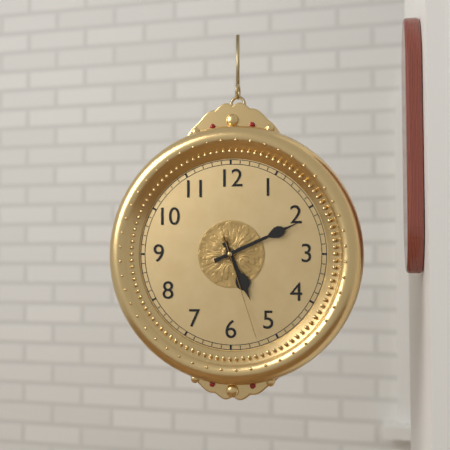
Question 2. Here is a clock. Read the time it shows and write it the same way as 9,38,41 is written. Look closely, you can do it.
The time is 5,11,27
